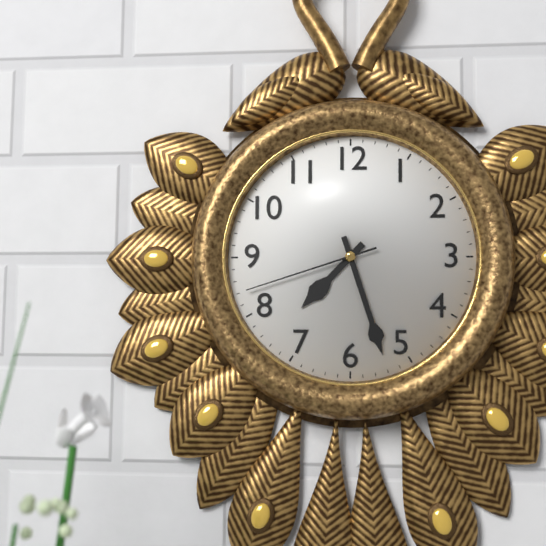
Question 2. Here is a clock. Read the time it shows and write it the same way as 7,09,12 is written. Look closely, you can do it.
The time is 7,27,42
